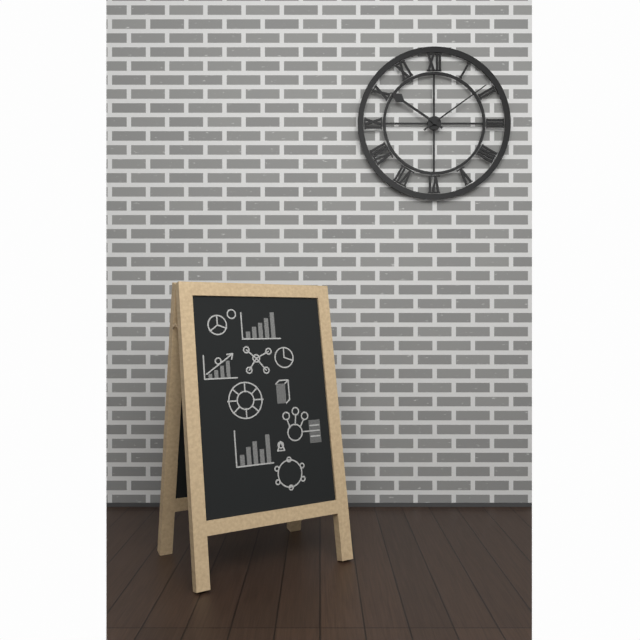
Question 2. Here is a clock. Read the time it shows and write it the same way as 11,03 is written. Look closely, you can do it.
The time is 10,09
